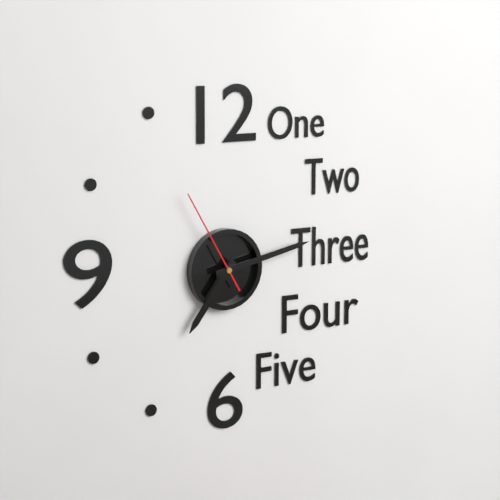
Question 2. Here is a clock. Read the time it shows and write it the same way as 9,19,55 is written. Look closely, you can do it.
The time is 7,13,55
